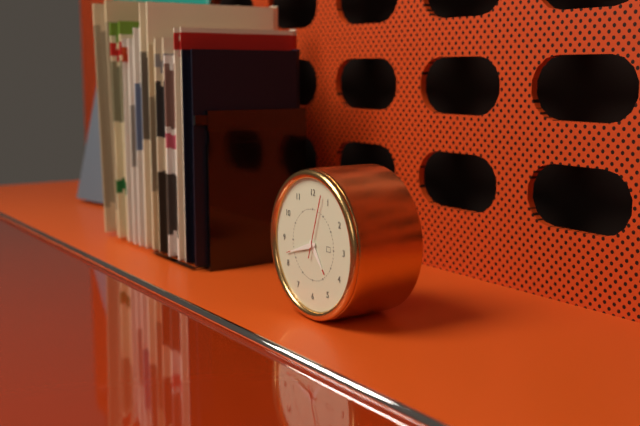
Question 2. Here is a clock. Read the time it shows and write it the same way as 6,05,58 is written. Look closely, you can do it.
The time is 4,42,03
